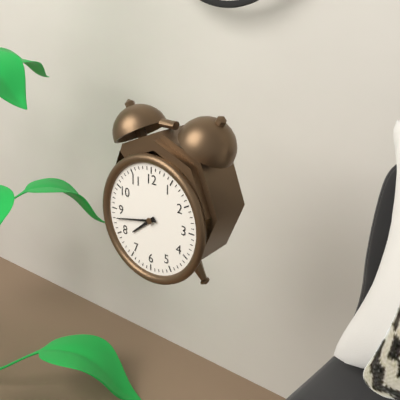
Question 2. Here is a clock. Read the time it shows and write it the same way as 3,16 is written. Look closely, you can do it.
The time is 7,43
